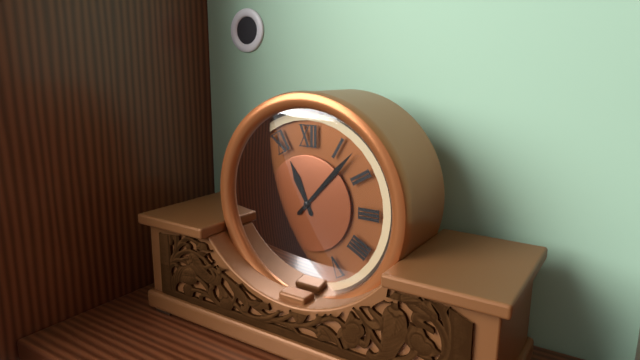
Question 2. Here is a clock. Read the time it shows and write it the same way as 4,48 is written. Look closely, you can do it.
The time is 11,07
